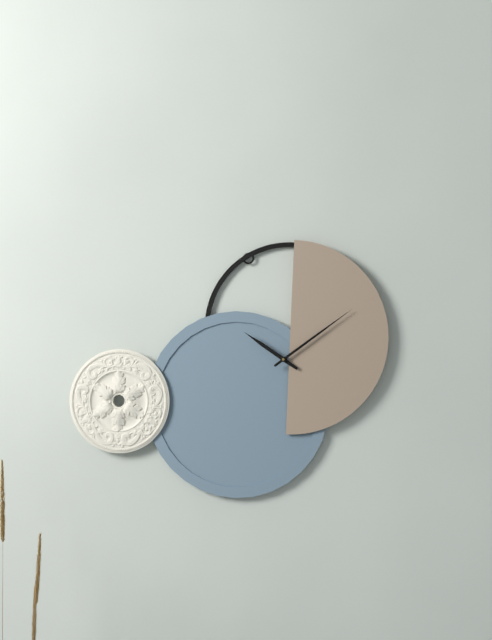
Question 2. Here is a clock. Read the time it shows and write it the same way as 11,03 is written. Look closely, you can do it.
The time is 10,09
